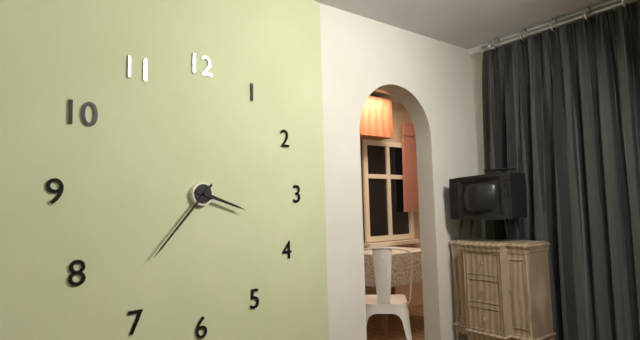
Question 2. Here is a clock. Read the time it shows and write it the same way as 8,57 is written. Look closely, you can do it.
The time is 3,37
